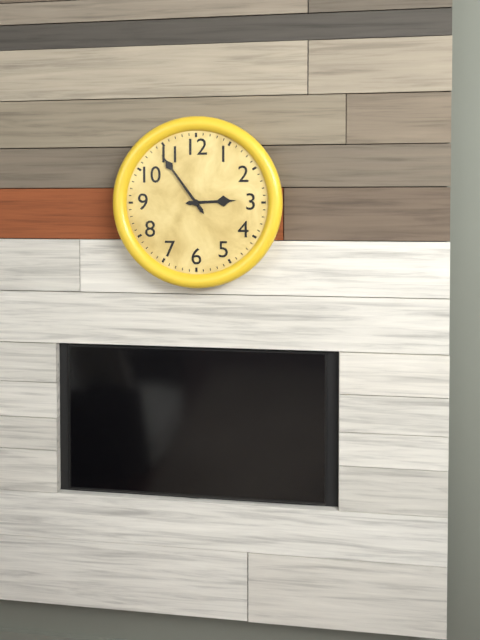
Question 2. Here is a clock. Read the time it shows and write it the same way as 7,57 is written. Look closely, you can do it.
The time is 2,54
